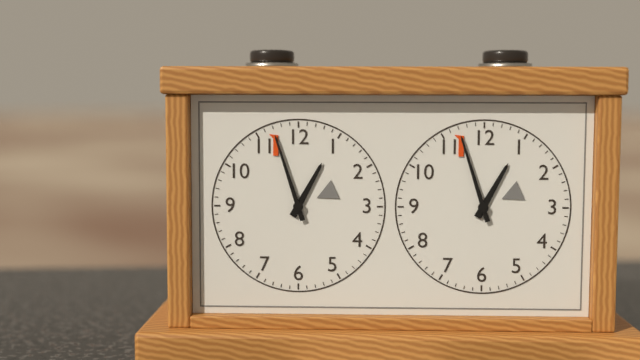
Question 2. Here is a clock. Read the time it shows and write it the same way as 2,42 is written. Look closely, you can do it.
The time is 12,57
